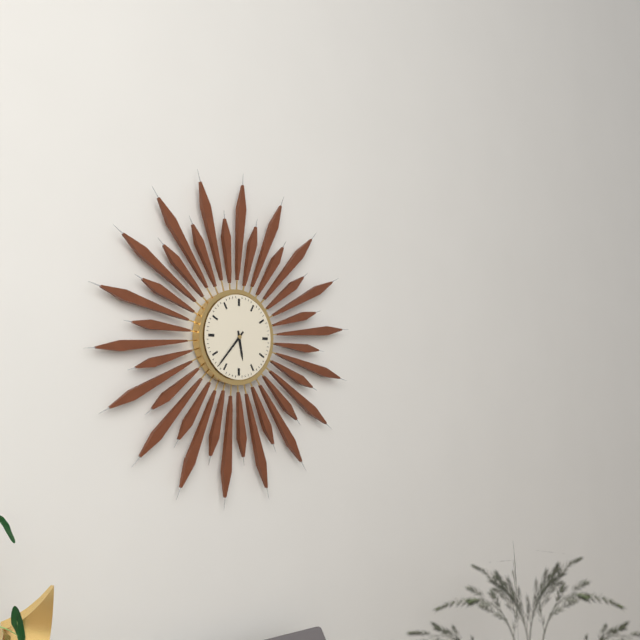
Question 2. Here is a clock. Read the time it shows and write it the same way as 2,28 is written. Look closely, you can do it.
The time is 5,37
